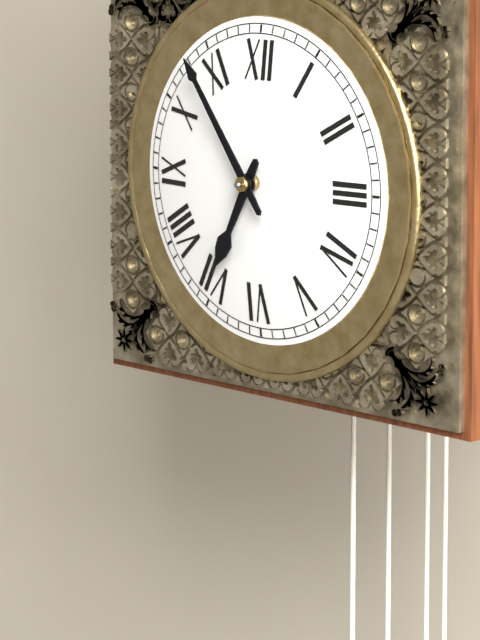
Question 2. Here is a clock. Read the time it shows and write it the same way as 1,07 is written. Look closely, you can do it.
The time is 6,54
